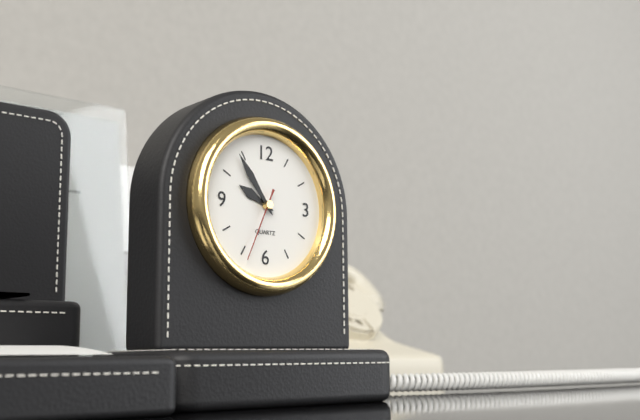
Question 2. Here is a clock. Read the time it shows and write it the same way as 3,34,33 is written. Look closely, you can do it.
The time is 9,54,34
